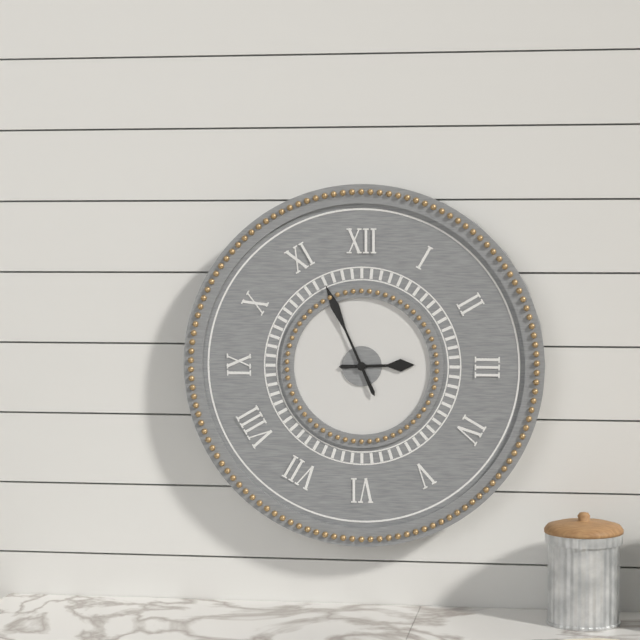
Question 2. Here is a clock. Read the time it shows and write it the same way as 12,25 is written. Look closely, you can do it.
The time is 2,56
